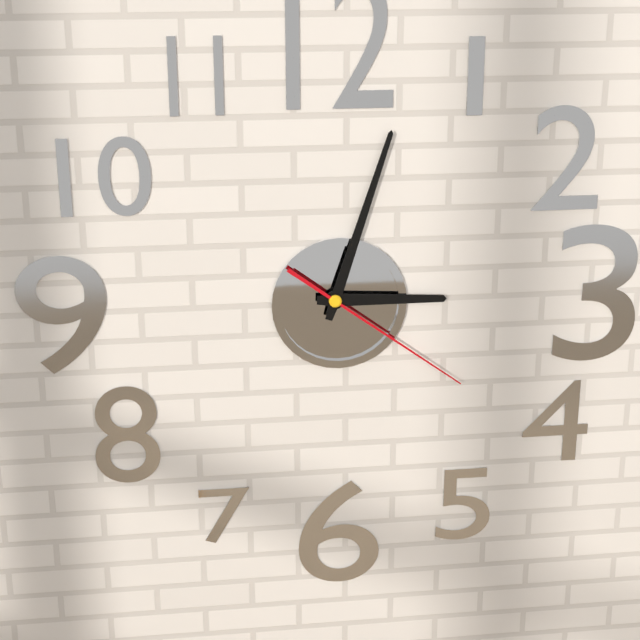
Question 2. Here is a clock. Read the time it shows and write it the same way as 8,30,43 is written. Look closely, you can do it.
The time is 3,03,21
